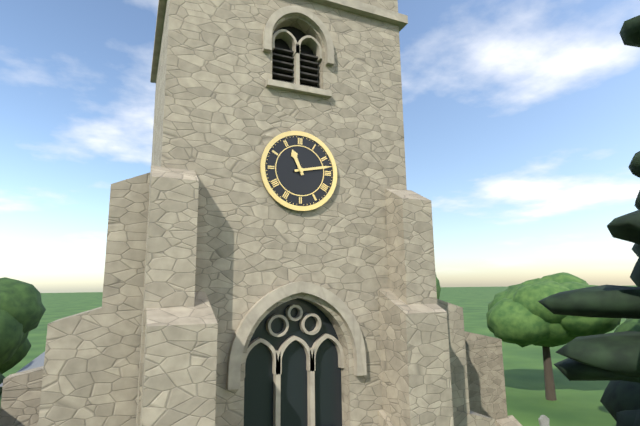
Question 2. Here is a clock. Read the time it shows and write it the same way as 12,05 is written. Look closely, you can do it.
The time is 11,13
